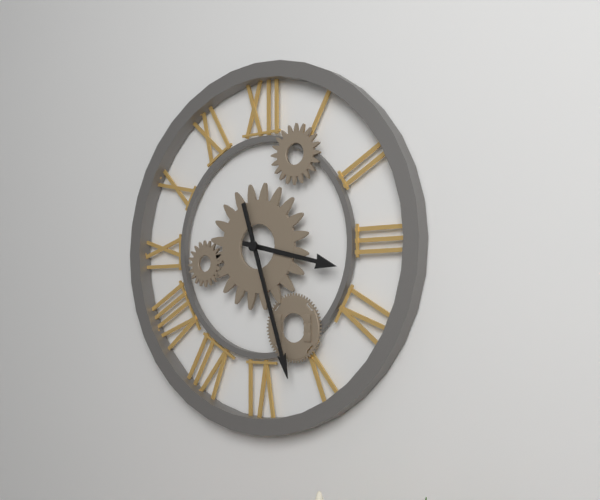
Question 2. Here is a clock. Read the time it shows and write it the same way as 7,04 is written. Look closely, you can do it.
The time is 3,27
